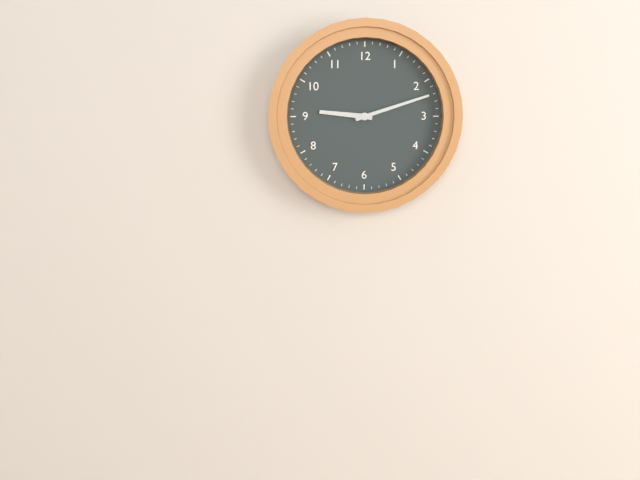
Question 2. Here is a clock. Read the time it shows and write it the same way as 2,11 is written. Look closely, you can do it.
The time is 9,12
